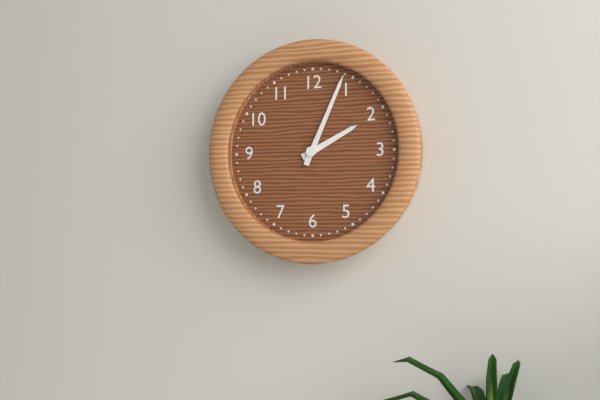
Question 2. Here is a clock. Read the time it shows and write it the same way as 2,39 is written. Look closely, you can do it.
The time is 2,04
